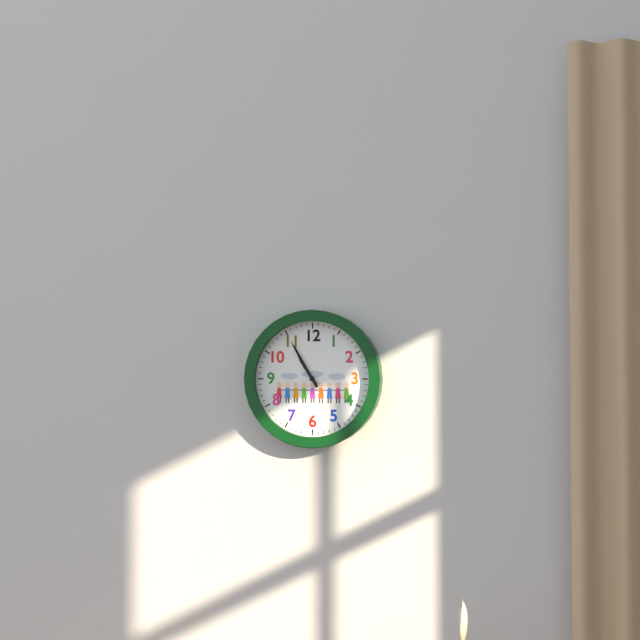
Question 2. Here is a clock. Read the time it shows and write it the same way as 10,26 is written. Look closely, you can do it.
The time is 10,55
